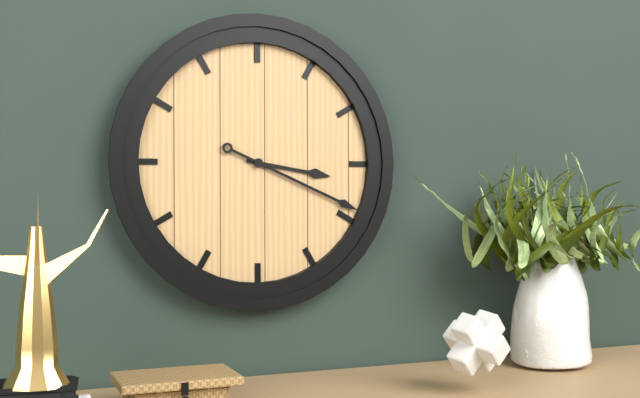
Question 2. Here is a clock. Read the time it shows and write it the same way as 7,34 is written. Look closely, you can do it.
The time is 3,19
